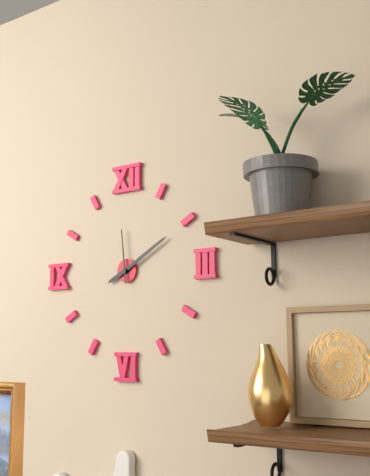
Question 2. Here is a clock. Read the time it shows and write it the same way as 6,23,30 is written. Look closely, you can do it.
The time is 8,10,59
